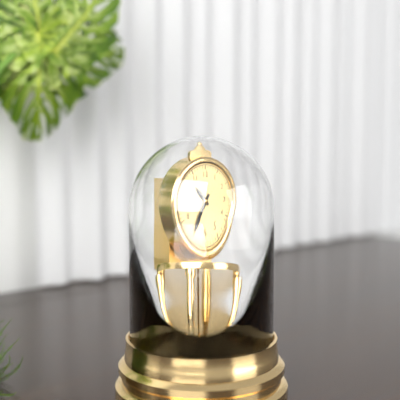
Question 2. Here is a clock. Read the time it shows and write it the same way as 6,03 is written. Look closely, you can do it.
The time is 10,35
